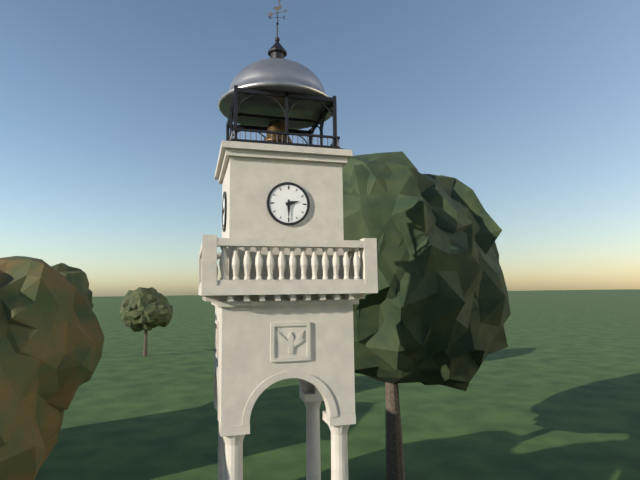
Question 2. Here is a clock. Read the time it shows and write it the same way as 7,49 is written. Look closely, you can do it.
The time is 2,30
